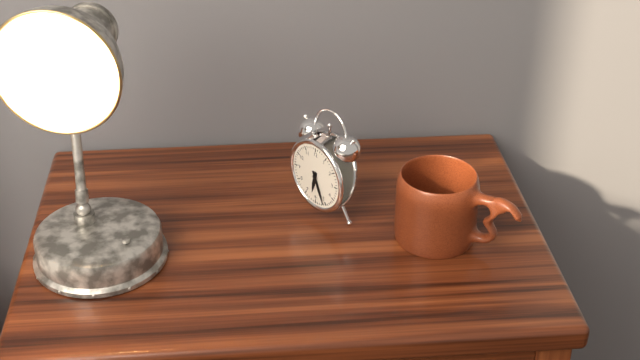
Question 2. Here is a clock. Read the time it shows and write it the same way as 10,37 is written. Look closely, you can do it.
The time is 6,26
